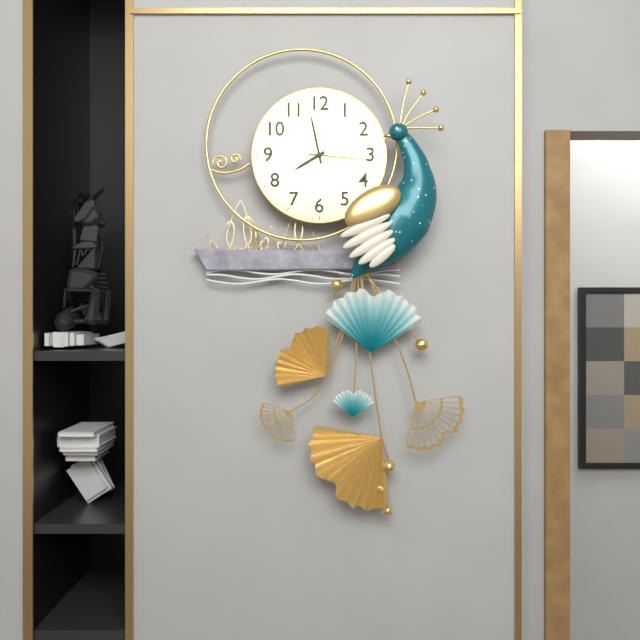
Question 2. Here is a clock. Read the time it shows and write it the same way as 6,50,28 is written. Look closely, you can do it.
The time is 7,58,16
